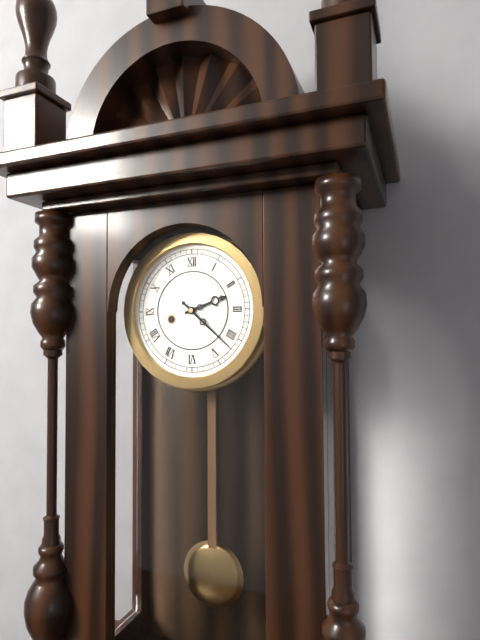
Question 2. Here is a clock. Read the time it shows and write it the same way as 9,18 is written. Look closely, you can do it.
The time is 2,22
